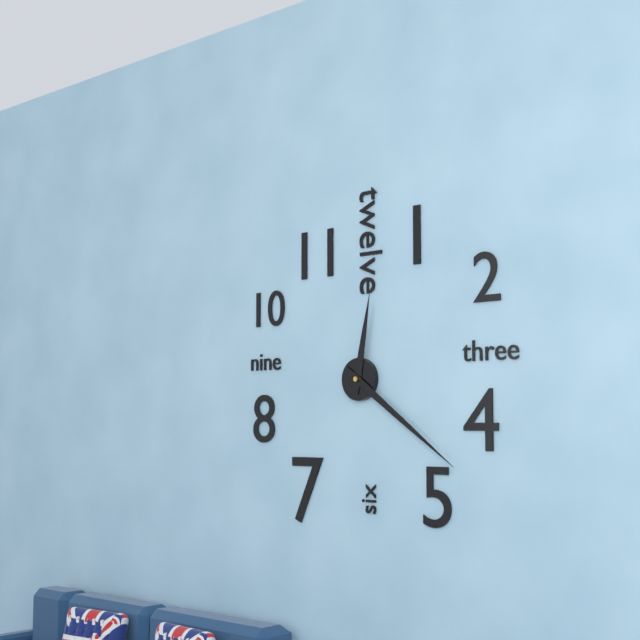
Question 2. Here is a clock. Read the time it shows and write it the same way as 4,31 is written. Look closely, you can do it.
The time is 12,21
